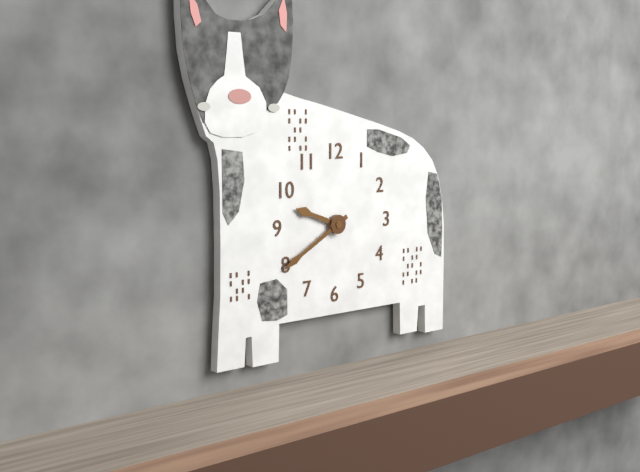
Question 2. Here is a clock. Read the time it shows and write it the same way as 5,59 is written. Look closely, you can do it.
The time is 9,40
